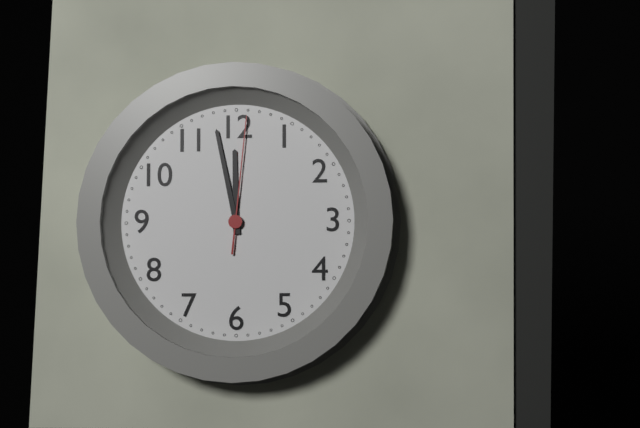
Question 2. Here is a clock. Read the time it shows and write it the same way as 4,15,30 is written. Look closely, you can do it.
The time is 11,58,01
